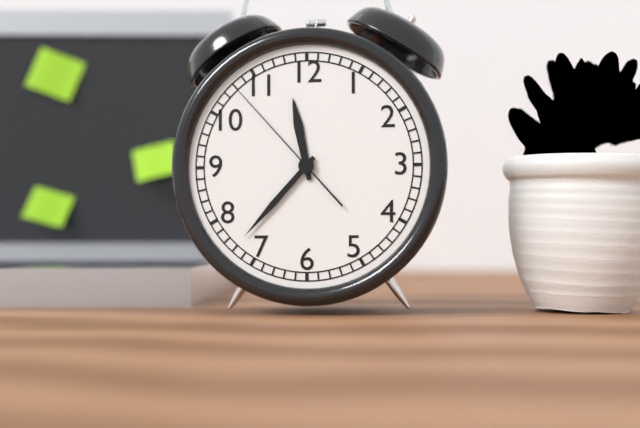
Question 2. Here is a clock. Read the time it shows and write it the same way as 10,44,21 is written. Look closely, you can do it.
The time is 11,37,53
